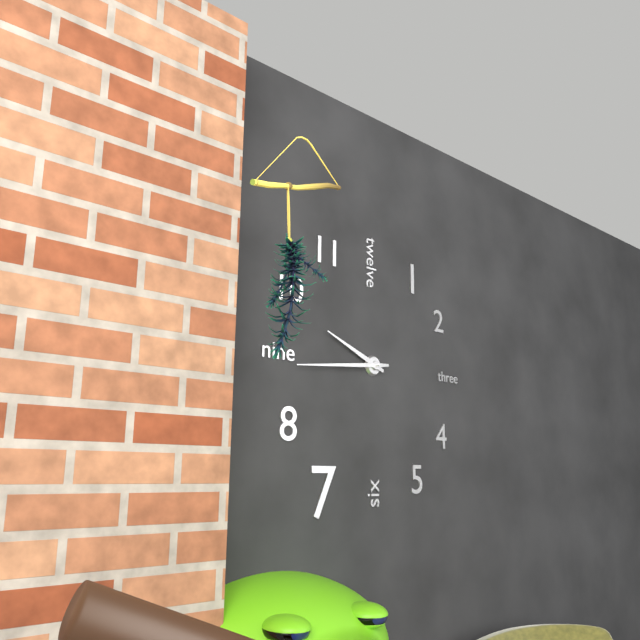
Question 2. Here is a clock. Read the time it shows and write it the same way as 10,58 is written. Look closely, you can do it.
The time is 9,44
